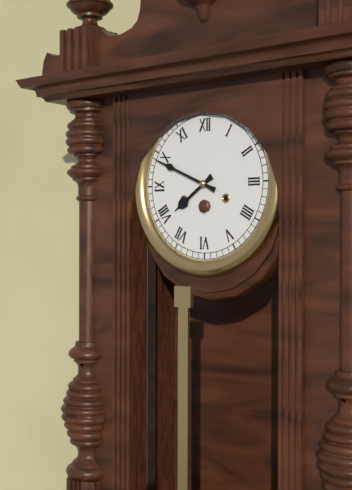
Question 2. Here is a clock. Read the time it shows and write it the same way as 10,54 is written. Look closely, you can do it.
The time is 7,49
